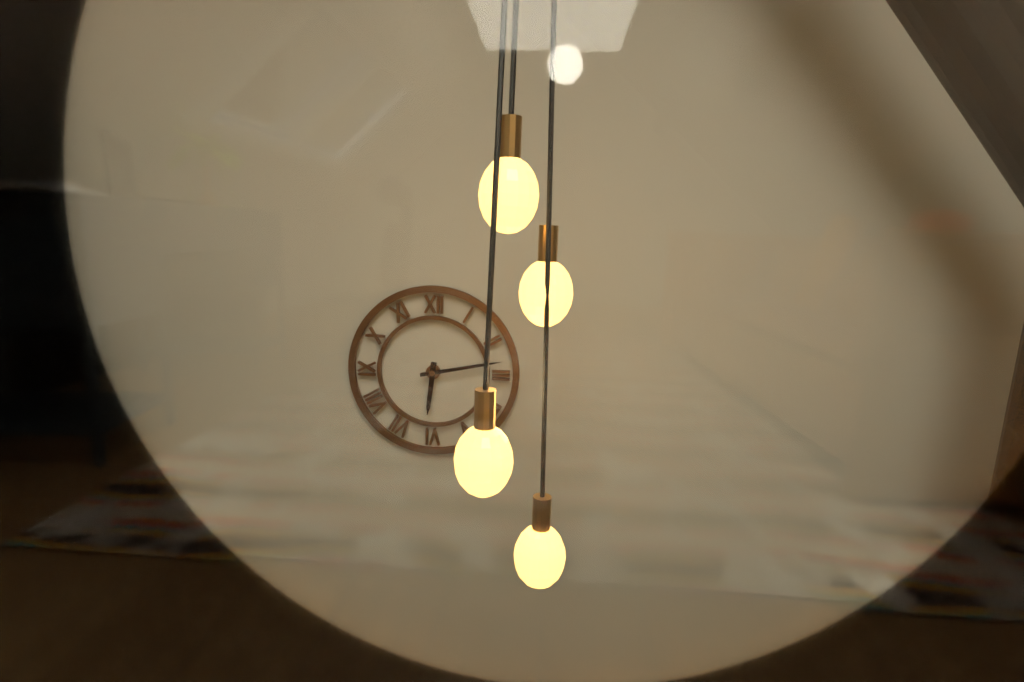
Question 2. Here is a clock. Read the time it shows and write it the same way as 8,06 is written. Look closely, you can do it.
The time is 6,13
